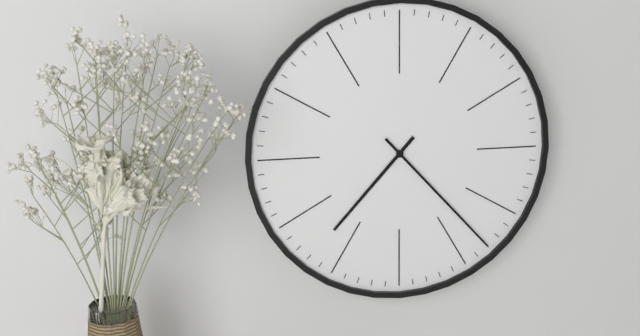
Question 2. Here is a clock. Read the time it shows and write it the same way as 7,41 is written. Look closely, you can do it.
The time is 7,23
